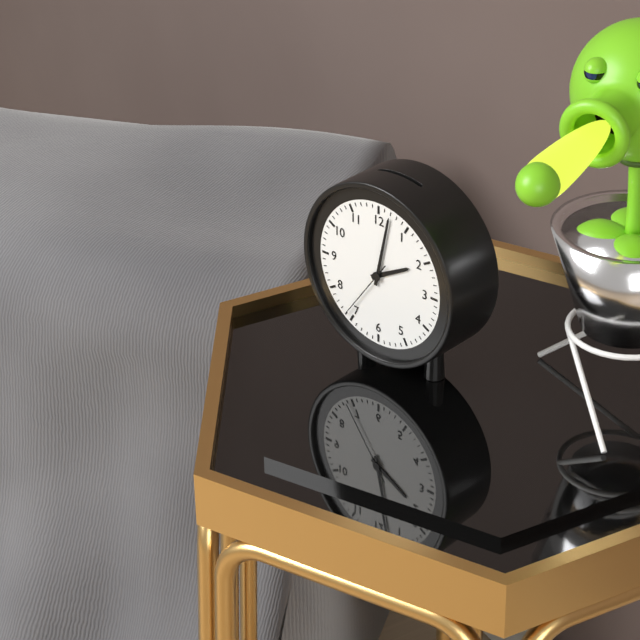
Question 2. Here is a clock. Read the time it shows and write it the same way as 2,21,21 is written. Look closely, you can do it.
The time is 2,02,36
